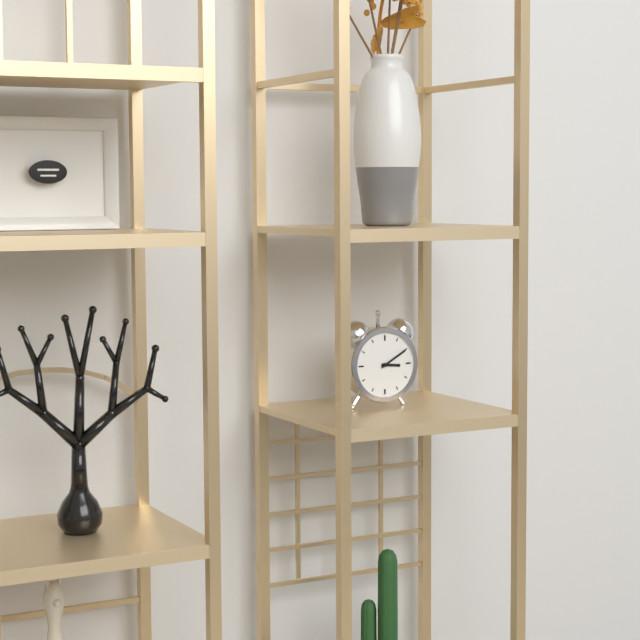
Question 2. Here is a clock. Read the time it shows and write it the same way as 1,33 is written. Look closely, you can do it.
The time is 3,10
